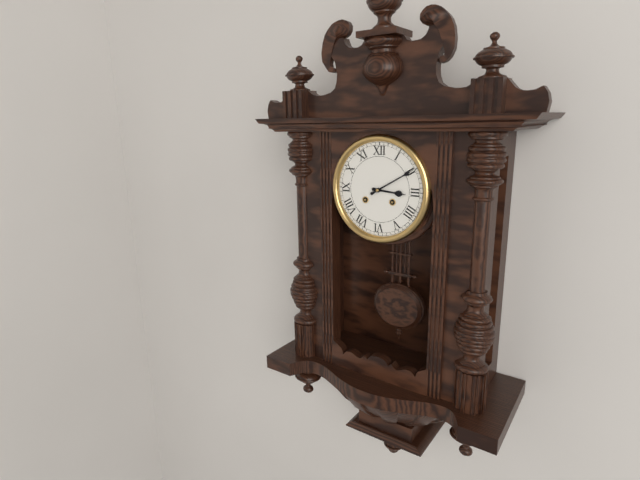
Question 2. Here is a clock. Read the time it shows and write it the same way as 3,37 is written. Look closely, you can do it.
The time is 3,10
